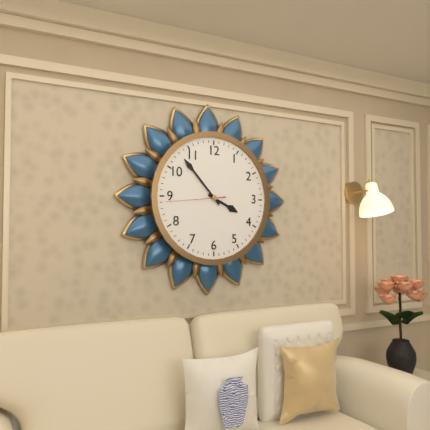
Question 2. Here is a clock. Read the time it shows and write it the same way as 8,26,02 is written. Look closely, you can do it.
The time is 3,53,44
